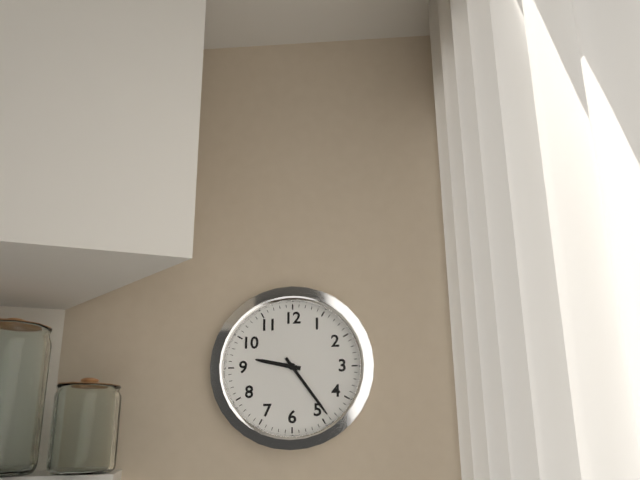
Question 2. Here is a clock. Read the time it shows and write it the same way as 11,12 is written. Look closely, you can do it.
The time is 9,24
